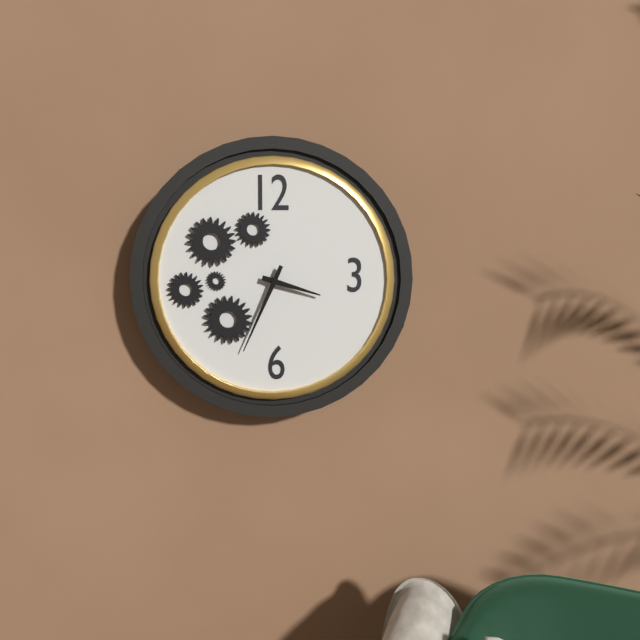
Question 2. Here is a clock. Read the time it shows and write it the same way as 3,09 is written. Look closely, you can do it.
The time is 3,34
